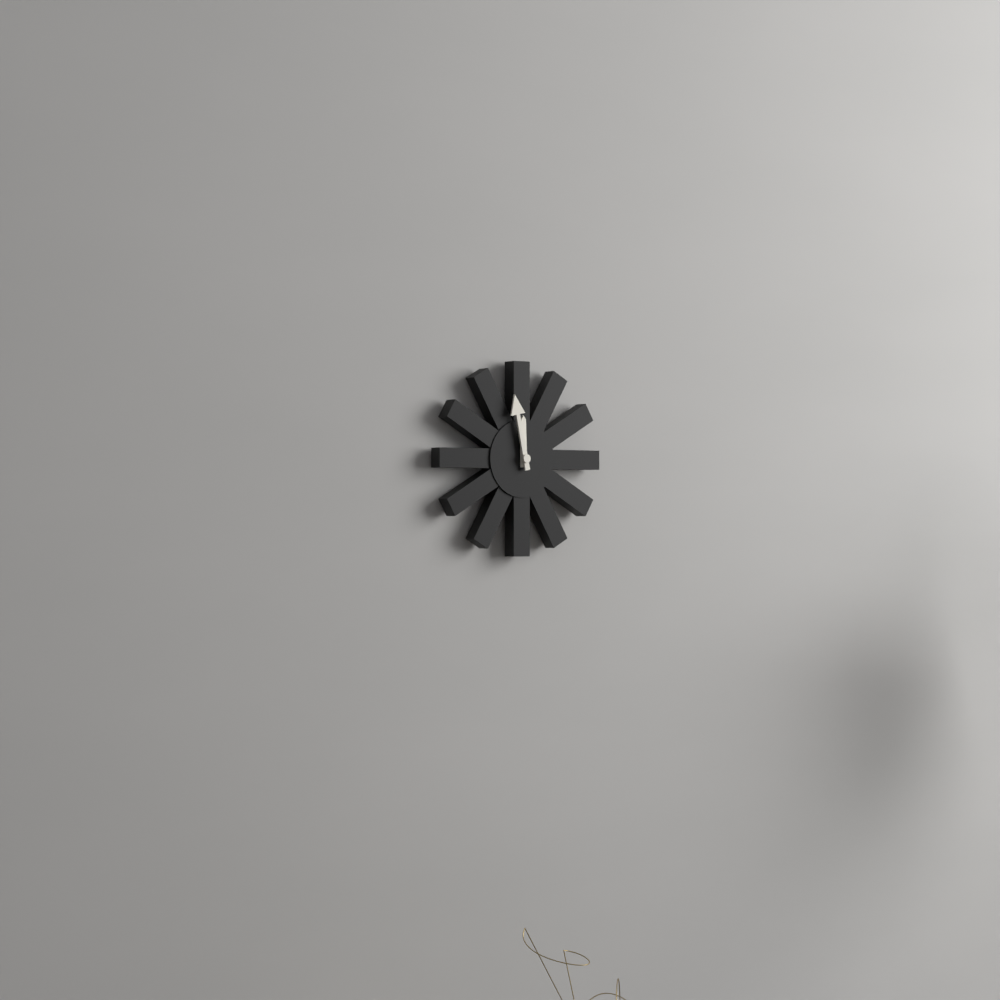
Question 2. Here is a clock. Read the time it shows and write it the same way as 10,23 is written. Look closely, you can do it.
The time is 11,58
